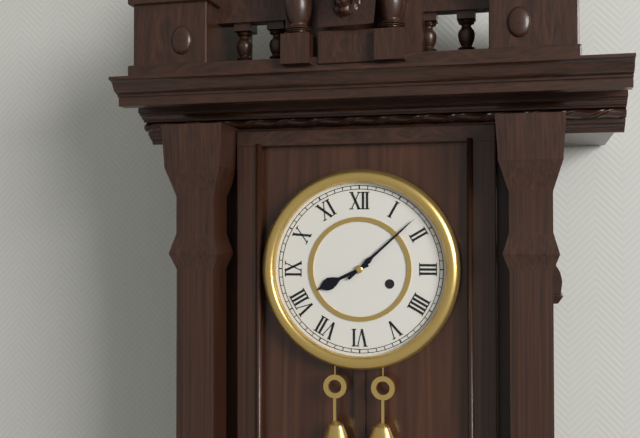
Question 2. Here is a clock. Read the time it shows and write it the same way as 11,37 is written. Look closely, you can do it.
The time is 8,08
